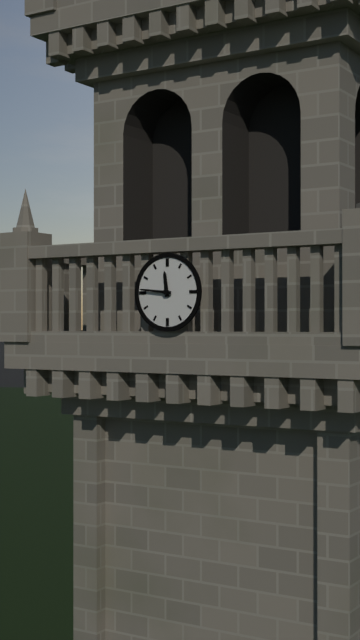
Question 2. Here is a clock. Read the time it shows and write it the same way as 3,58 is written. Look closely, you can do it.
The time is 11,46
